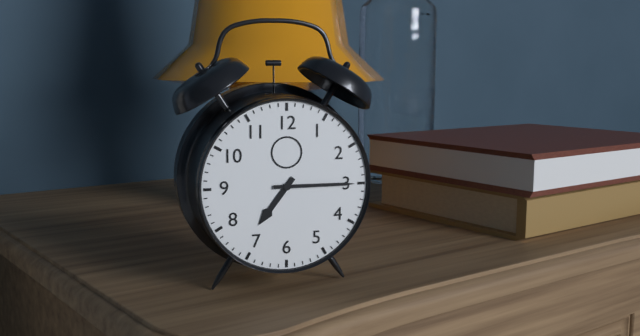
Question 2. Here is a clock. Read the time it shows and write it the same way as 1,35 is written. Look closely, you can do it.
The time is 7,15
